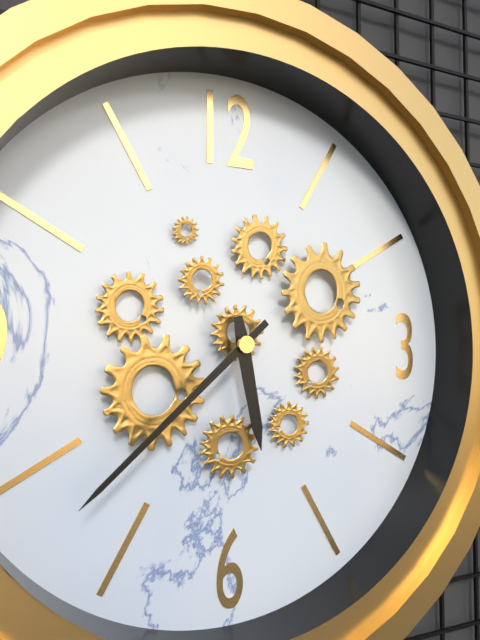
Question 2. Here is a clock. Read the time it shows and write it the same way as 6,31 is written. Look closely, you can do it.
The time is 5,38
